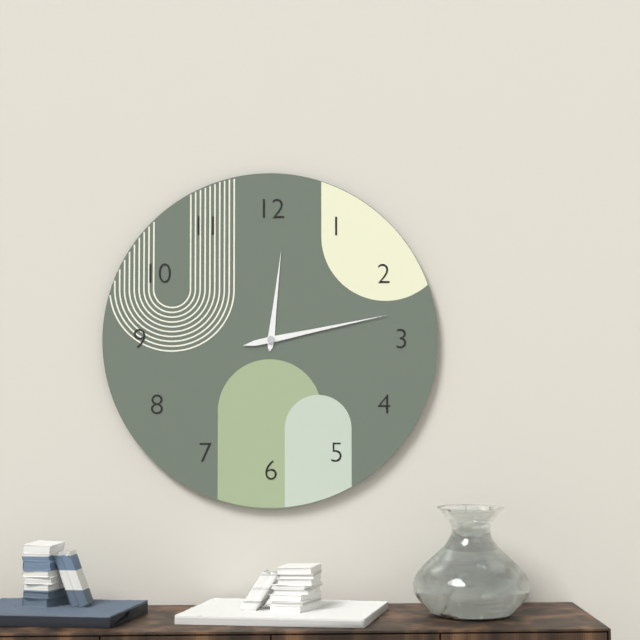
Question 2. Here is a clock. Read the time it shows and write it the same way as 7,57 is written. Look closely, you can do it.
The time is 12,13
